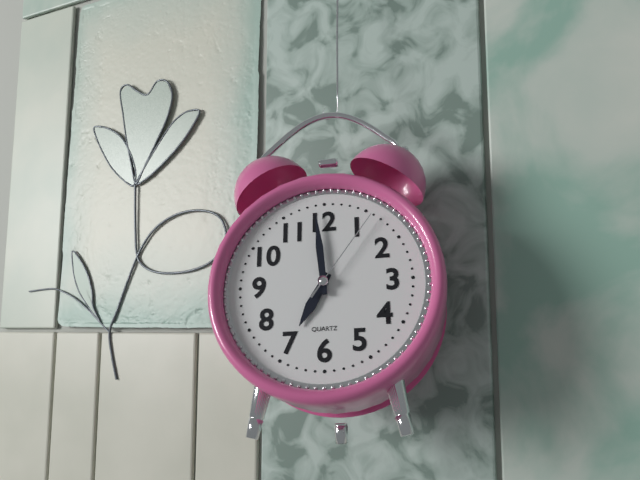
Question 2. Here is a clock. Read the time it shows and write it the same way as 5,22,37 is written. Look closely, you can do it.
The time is 6,59,06
